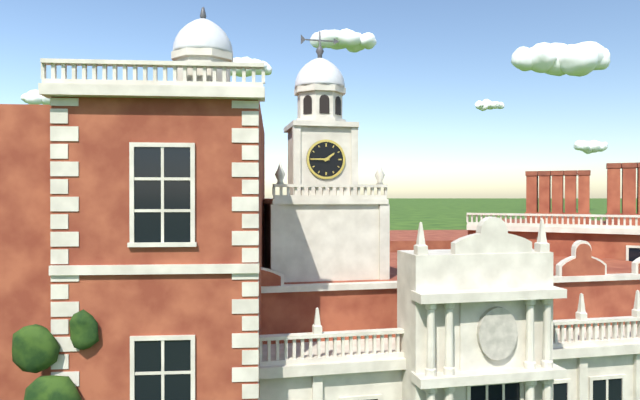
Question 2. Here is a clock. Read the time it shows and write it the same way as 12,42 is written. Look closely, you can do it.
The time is 1,45
